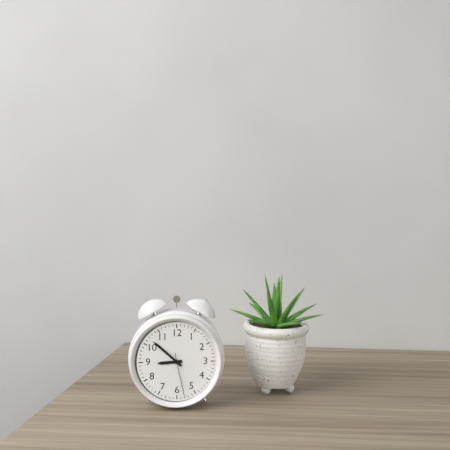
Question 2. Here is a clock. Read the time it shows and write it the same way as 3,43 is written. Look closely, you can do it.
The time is 8,52
